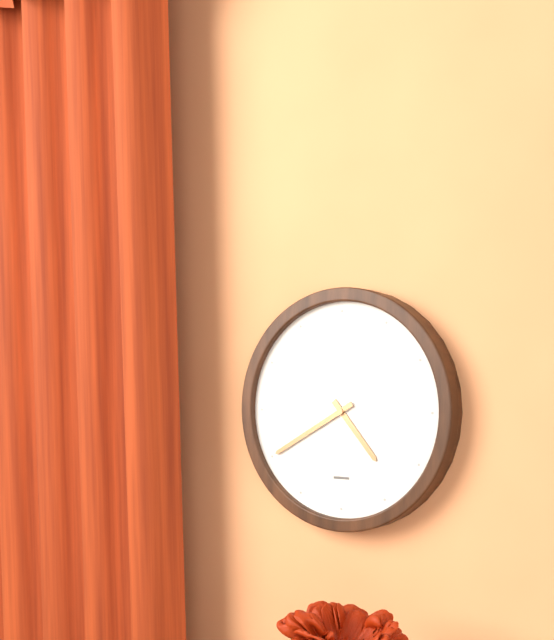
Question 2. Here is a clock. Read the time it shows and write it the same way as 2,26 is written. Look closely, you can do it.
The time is 4,40
